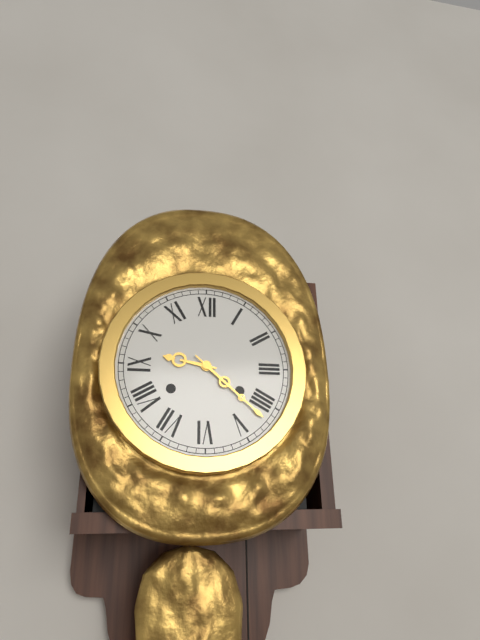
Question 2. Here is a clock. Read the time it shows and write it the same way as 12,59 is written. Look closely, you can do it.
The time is 9,22
